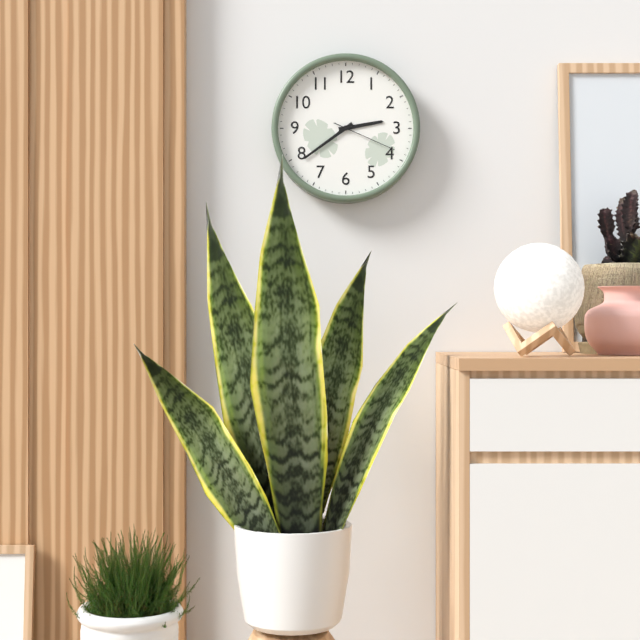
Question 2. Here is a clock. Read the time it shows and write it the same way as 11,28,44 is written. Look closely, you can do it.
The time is 2,39,19
